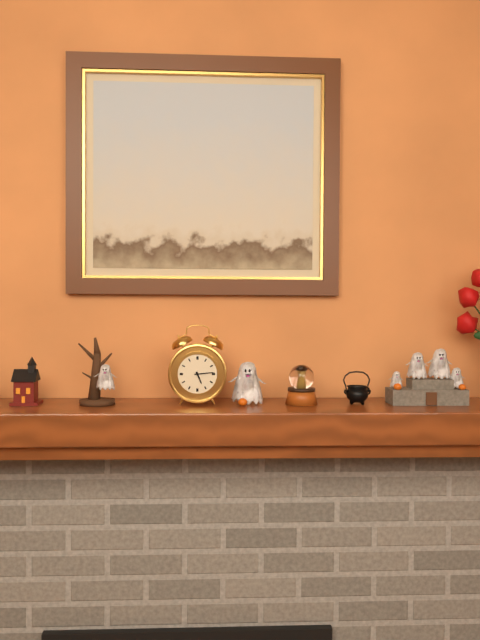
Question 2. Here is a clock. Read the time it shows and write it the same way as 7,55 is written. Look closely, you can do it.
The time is 5,14
